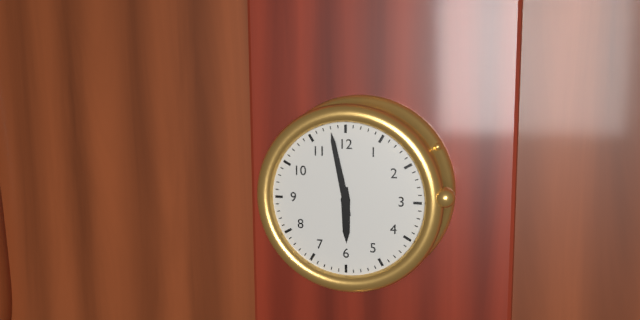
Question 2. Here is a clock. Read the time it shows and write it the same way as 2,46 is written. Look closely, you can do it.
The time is 5,58
